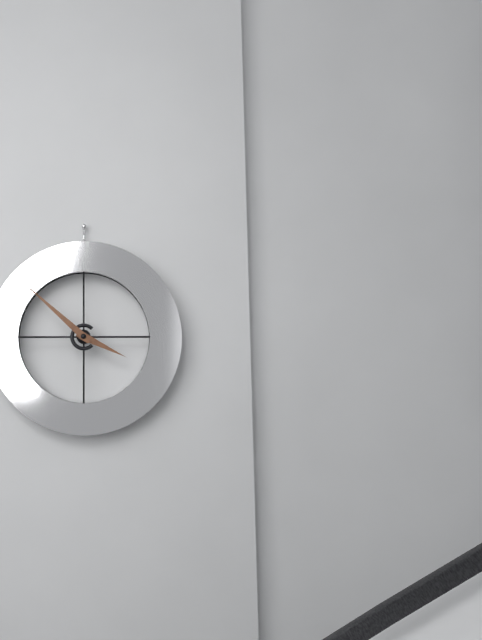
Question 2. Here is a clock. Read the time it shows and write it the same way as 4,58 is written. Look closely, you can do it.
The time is 3,52
